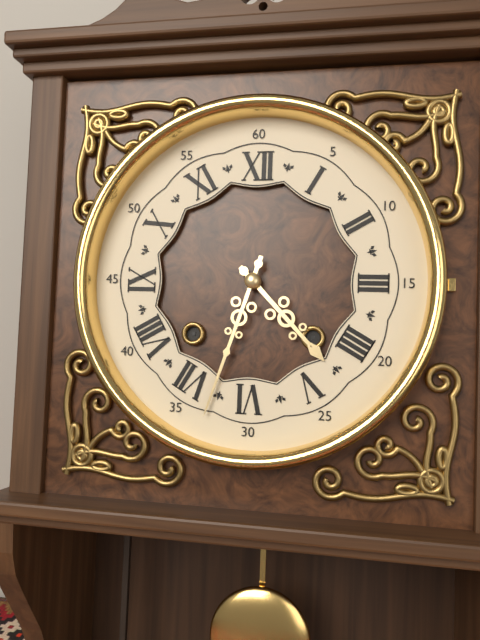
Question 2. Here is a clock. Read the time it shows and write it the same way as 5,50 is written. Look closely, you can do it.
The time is 4,33
